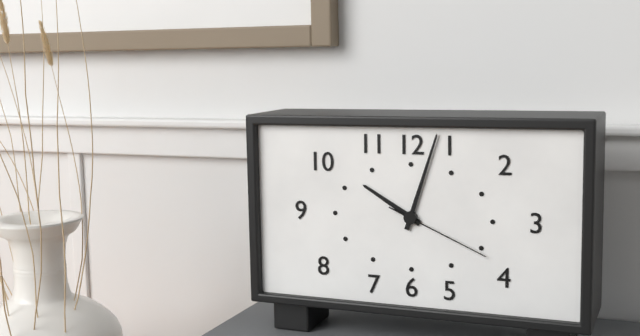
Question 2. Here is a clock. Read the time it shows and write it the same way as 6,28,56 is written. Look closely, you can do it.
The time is 10,03,19
